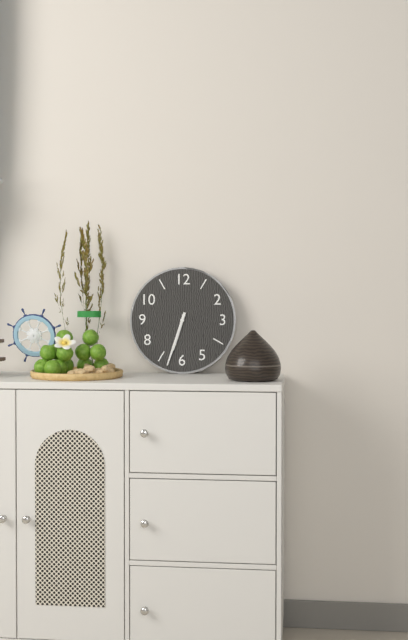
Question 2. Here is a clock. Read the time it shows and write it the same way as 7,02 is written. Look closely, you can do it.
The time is 6,33
